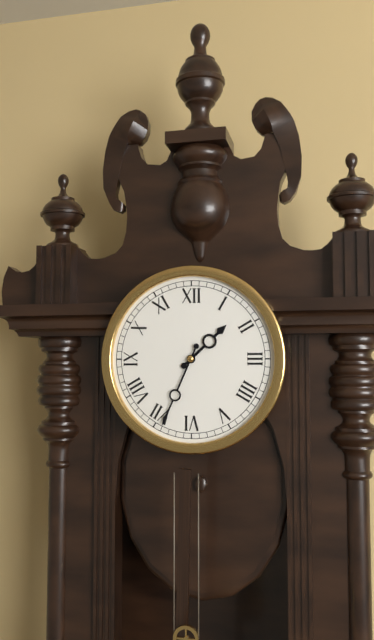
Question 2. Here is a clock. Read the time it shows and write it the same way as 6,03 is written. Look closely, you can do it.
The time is 1,34
